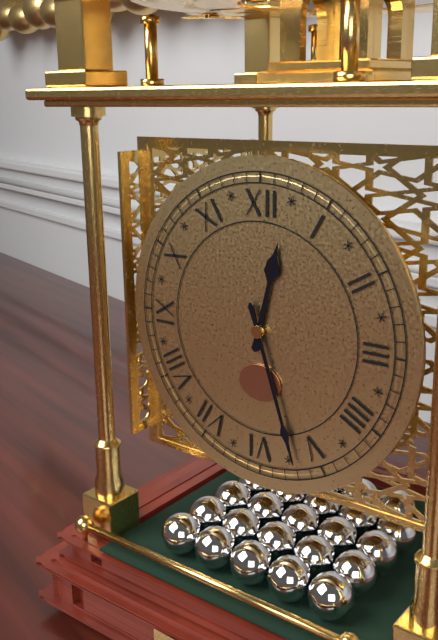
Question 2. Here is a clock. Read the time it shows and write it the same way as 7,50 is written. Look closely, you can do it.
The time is 12,27
